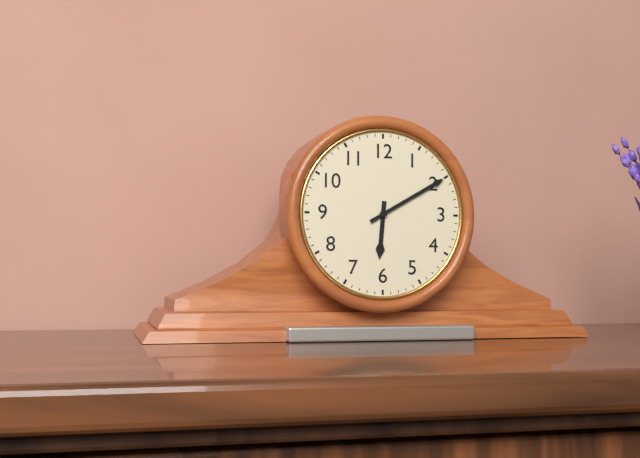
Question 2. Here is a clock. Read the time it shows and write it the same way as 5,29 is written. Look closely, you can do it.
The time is 6,10
